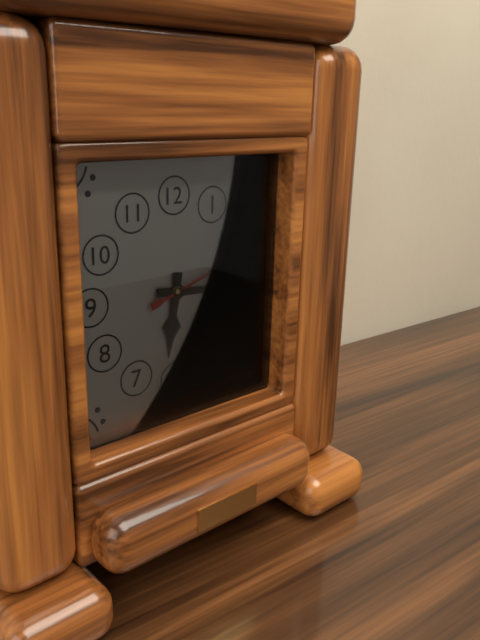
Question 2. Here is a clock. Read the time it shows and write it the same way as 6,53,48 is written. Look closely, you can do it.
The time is 6,16,12
